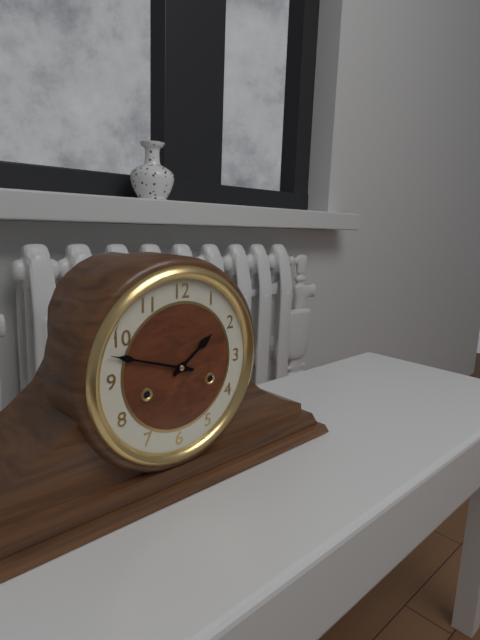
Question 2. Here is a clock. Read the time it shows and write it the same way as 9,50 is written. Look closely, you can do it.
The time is 1,48
